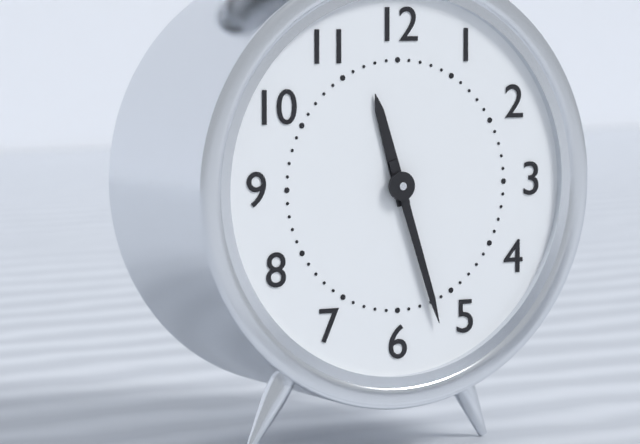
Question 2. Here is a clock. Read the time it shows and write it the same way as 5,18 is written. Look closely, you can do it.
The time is 11,27
